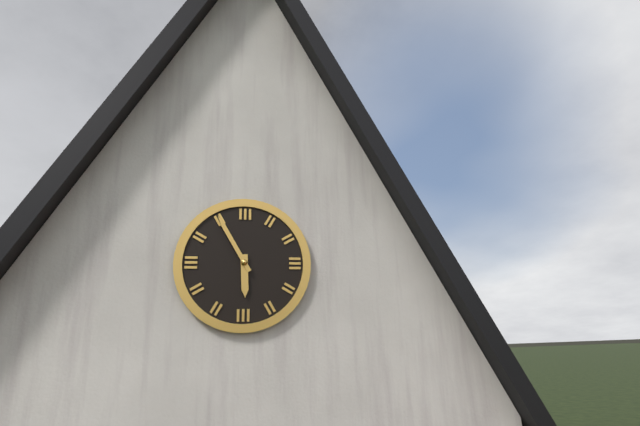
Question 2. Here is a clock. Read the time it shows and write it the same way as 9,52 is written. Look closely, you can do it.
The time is 5,55
